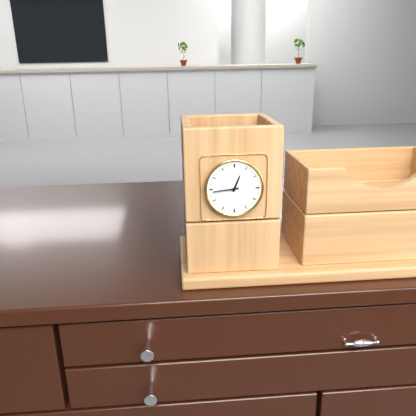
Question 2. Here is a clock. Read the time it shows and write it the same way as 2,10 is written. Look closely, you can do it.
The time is 12,44
